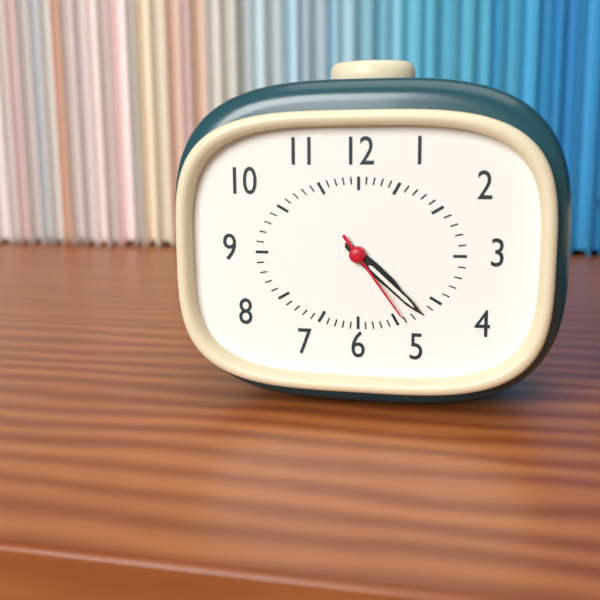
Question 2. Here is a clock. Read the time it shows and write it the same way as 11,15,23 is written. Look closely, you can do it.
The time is 4,22,24
